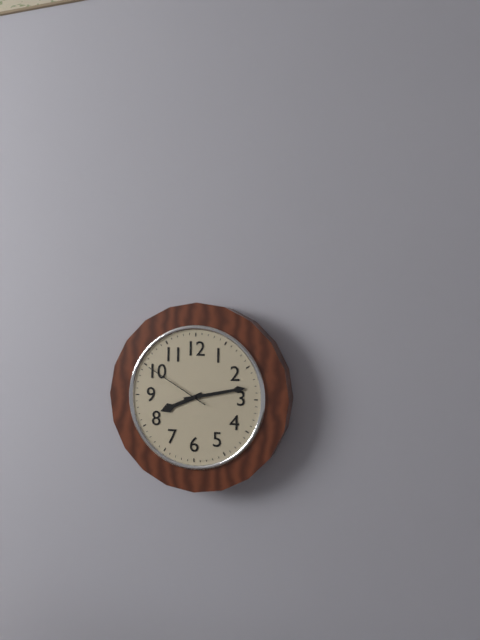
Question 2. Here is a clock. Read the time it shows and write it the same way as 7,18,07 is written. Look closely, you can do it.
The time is 8,13,50
